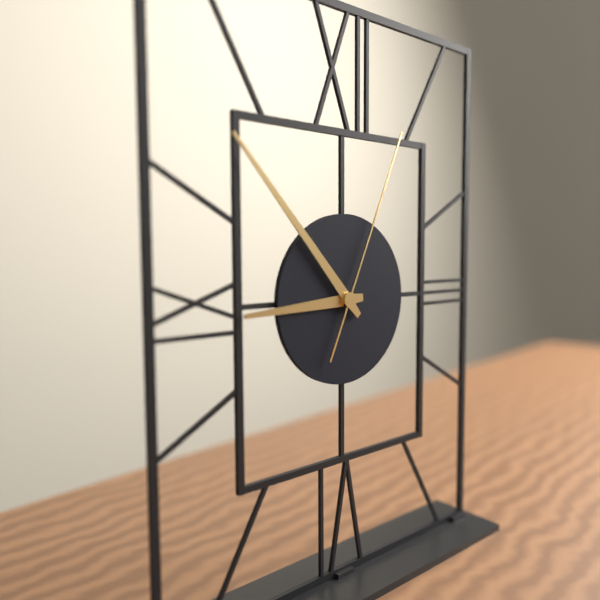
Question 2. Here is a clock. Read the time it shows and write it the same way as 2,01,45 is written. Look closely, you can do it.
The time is 8,53,04
